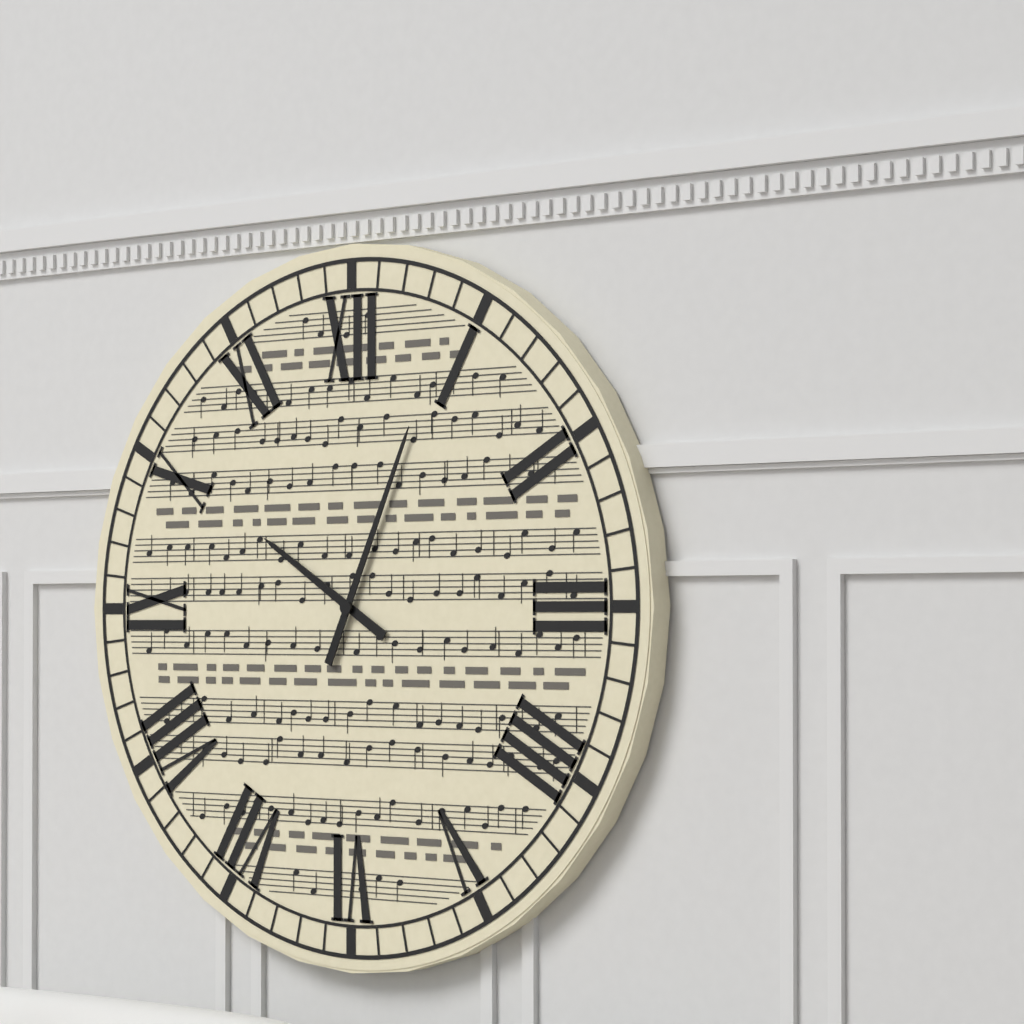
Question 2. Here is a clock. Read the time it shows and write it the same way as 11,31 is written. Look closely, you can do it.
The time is 10,04
